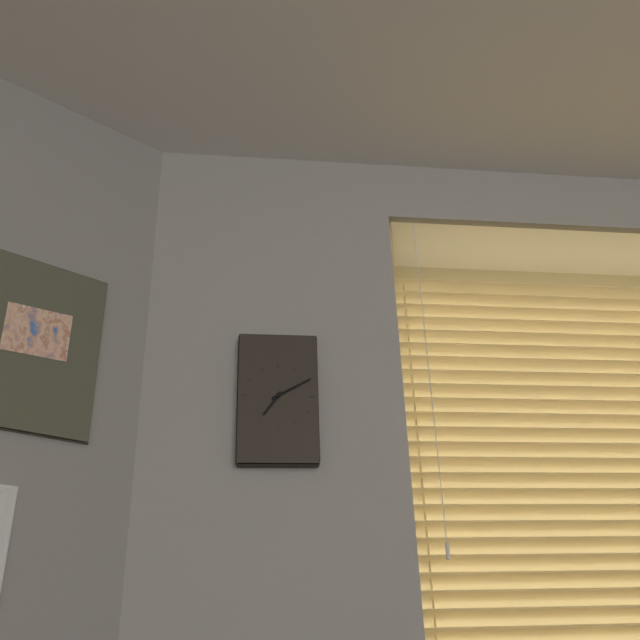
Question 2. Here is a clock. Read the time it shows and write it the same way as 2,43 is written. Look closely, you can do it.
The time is 7,10
